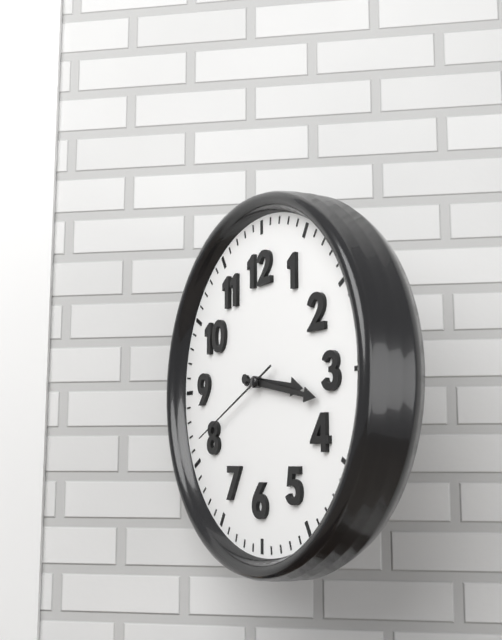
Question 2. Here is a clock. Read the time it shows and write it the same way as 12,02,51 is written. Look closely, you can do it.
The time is 3,17,41
